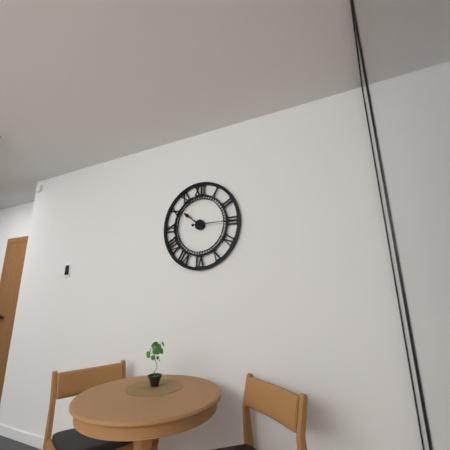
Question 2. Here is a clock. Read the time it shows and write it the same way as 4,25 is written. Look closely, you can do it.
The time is 10,15
